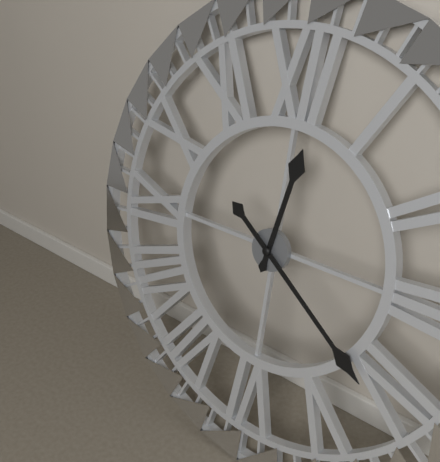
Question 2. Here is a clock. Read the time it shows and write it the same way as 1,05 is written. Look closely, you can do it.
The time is 12,21
